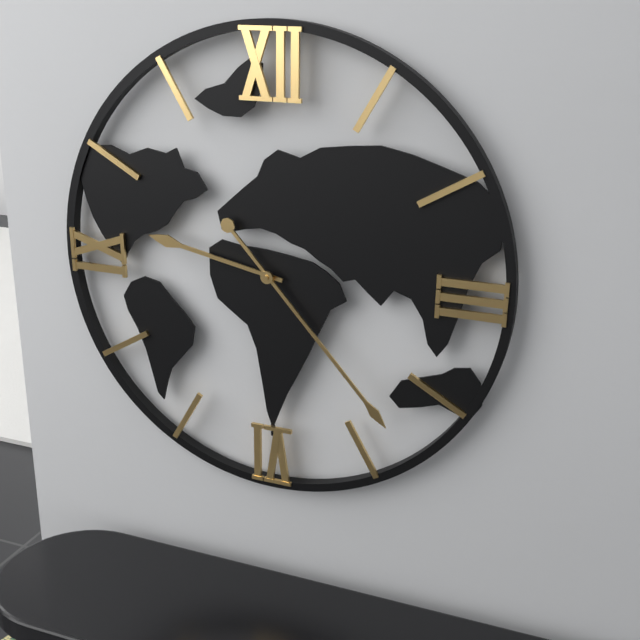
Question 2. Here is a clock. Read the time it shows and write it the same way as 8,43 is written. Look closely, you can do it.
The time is 9,23
